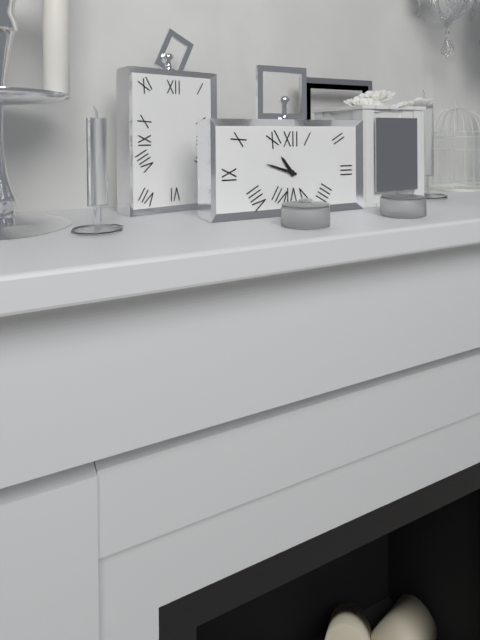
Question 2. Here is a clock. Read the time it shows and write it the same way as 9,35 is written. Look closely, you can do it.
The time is 10,48
